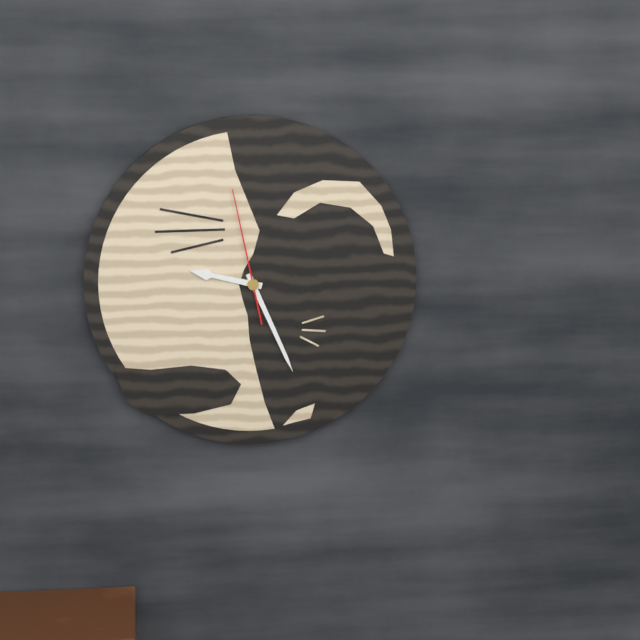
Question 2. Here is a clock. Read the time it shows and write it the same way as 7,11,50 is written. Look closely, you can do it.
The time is 9,26,58
